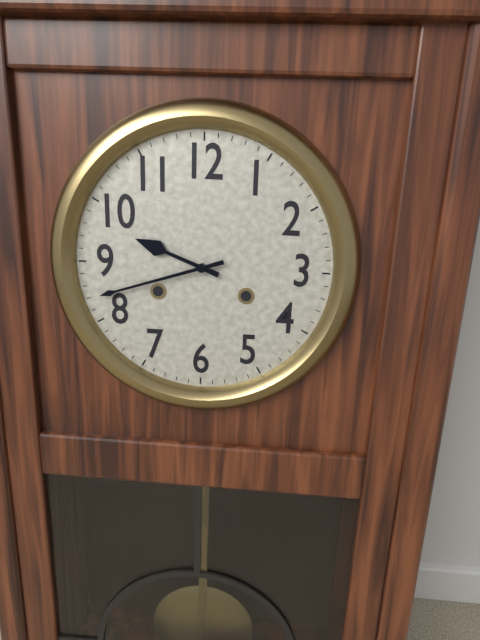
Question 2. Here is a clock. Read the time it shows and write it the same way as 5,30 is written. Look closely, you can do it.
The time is 9,42
